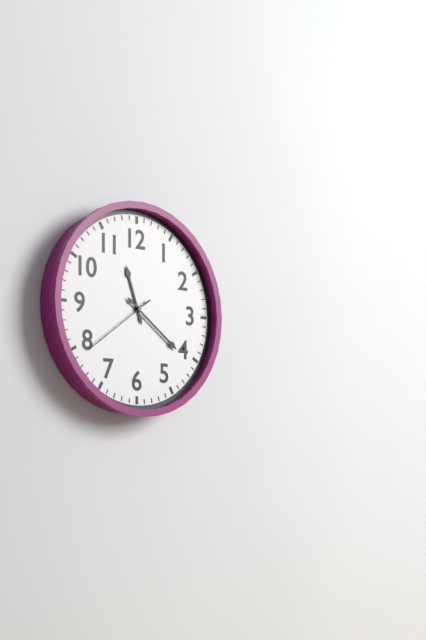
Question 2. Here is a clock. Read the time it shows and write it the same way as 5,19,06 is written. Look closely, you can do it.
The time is 11,21,39
